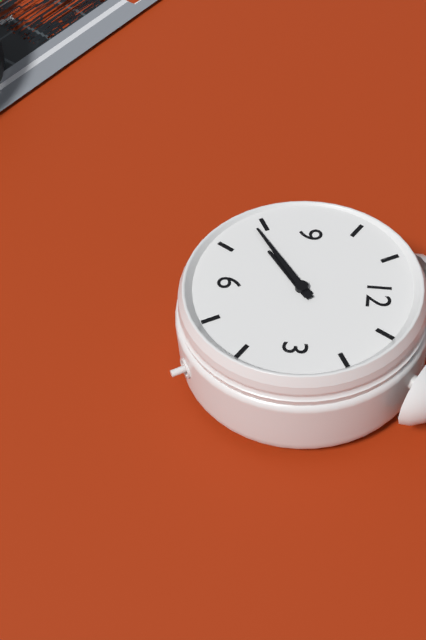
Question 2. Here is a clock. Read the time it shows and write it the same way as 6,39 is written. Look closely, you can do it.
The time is 7,39
